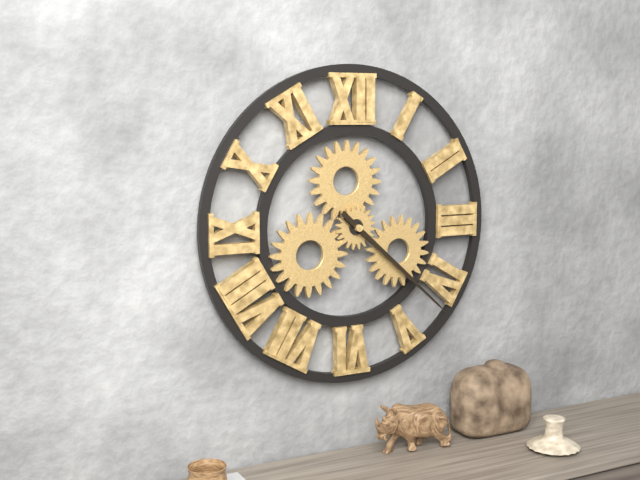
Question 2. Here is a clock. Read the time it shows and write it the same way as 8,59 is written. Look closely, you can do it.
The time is 4,22
